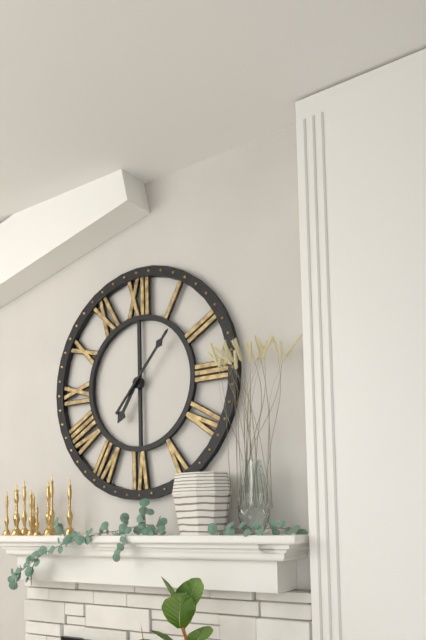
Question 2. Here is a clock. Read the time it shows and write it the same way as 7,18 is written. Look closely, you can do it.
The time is 7,07
